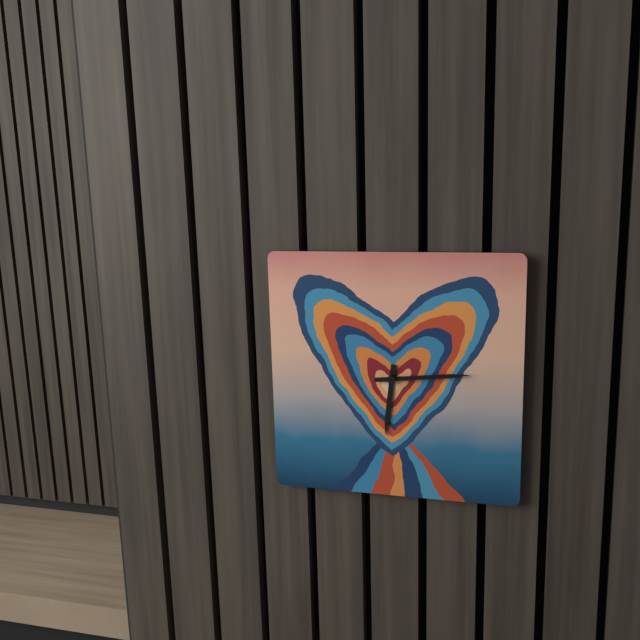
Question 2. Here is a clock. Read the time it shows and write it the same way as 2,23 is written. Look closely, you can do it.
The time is 6,14
